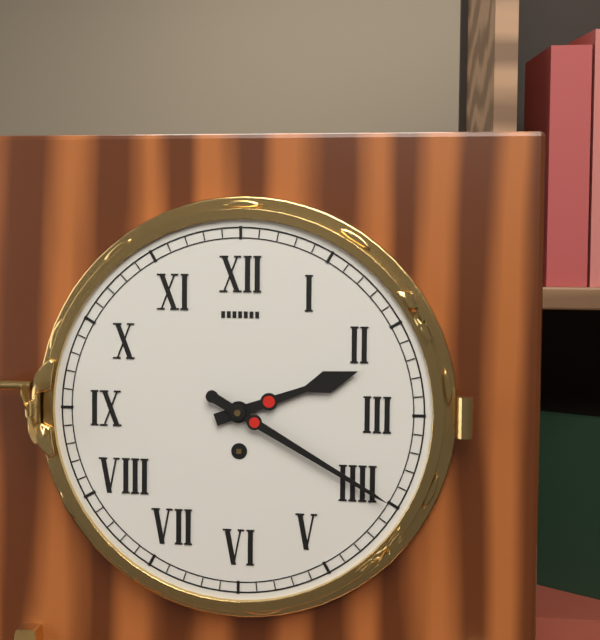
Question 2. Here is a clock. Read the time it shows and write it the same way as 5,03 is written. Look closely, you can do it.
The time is 2,20
